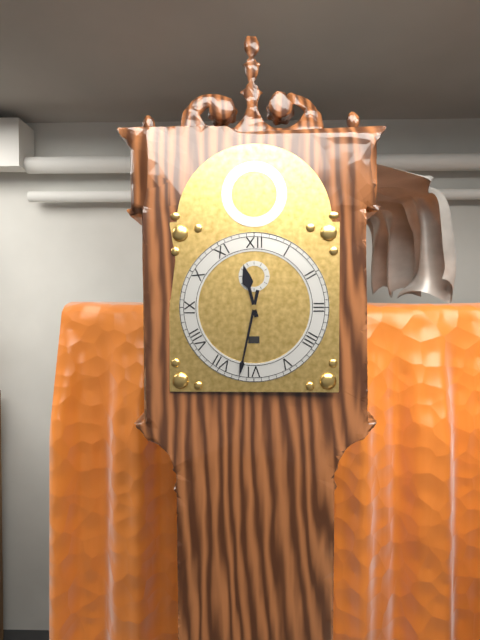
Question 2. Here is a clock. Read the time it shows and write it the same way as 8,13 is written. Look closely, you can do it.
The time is 11,32
